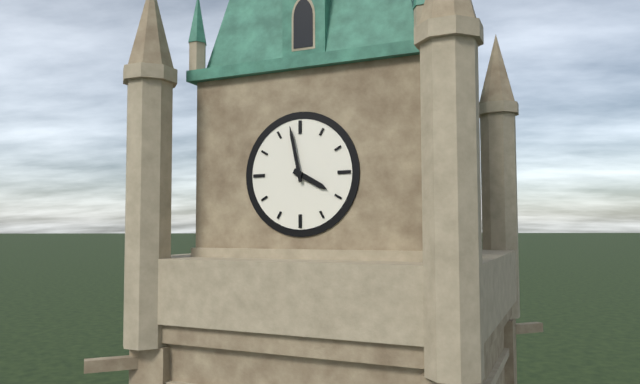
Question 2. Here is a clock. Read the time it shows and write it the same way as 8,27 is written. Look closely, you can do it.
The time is 3,58
